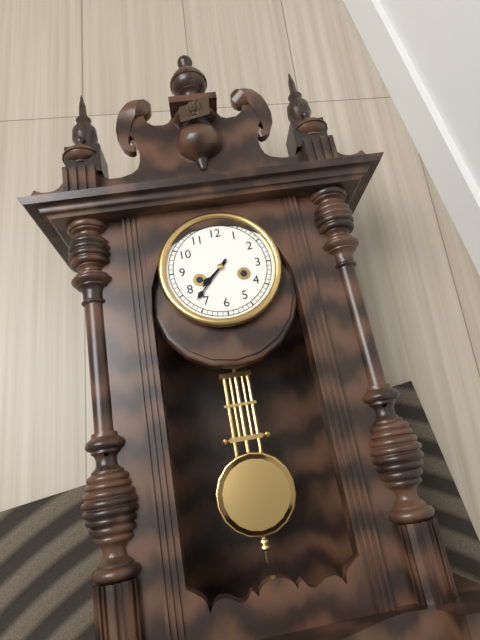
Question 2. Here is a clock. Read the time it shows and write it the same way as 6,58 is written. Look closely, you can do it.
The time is 7,37
